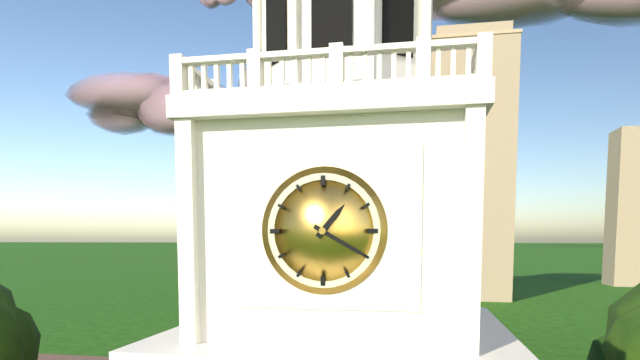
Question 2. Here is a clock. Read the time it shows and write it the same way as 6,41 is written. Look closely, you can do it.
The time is 1,20
